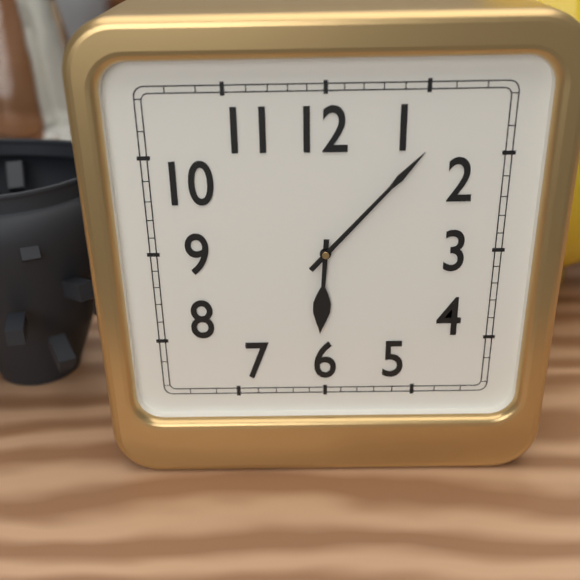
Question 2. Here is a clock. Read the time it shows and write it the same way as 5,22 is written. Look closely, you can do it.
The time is 6,07
